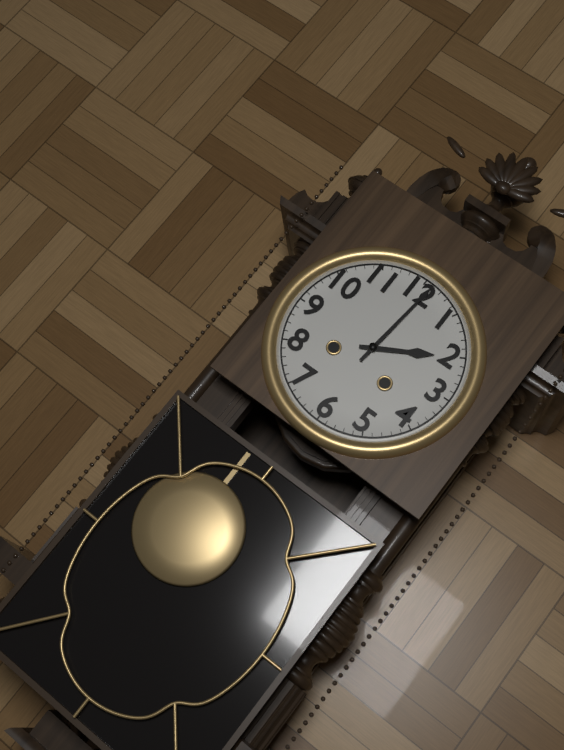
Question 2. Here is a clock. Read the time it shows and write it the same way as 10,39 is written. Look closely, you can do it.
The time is 2,01
